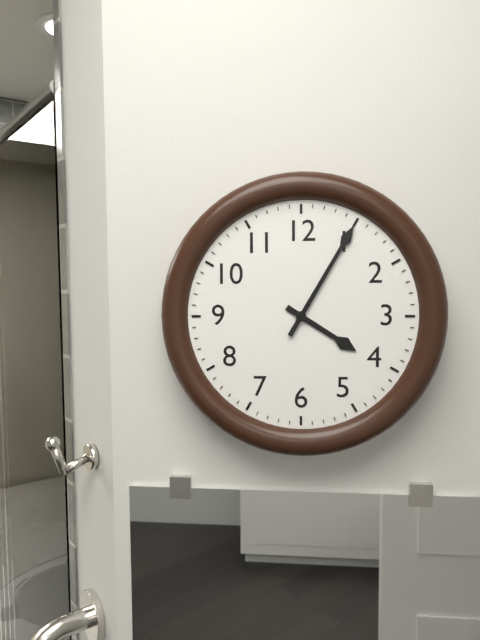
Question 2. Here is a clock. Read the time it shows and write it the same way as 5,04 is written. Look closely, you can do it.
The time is 4,05
